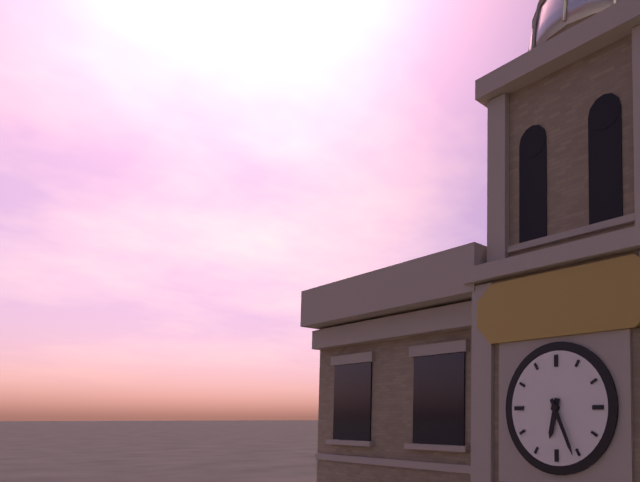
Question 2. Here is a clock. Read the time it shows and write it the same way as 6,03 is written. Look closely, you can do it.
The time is 6,26
